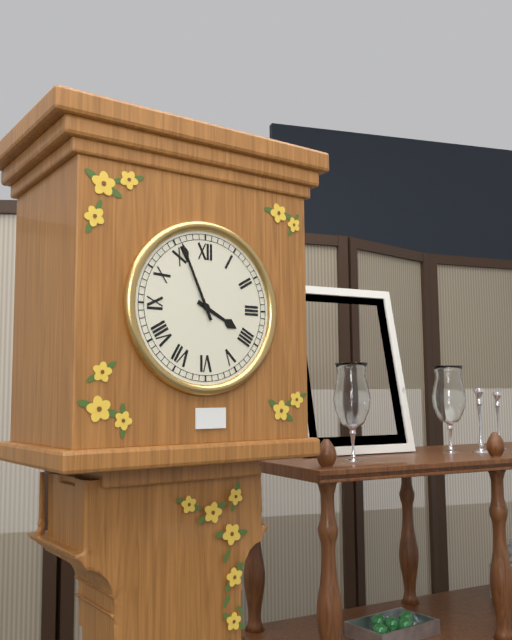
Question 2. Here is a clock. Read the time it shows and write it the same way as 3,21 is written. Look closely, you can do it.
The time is 3,56
